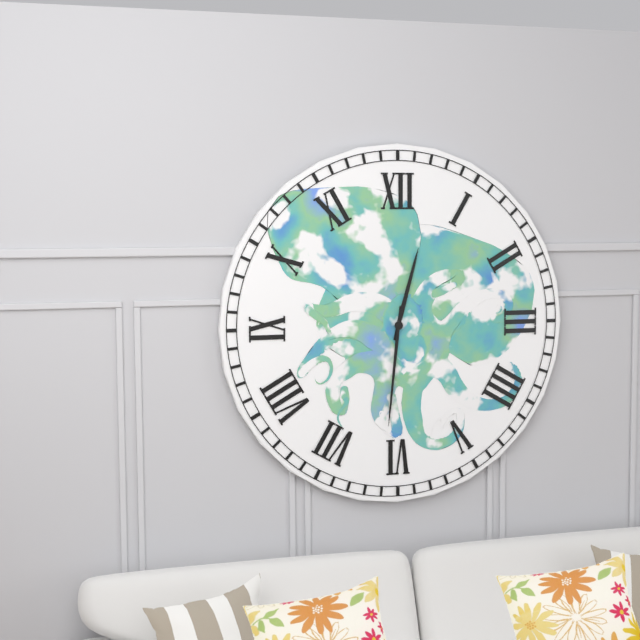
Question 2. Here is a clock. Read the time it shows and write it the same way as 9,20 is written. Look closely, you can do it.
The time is 12,31
